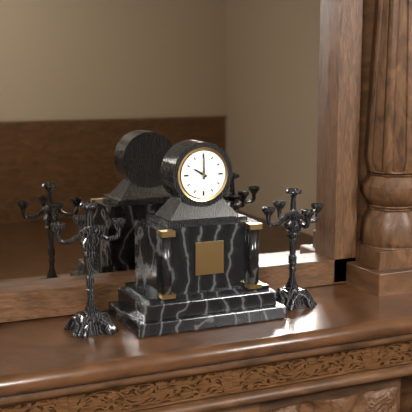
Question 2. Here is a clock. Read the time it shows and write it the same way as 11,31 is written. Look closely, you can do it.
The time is 10,00
